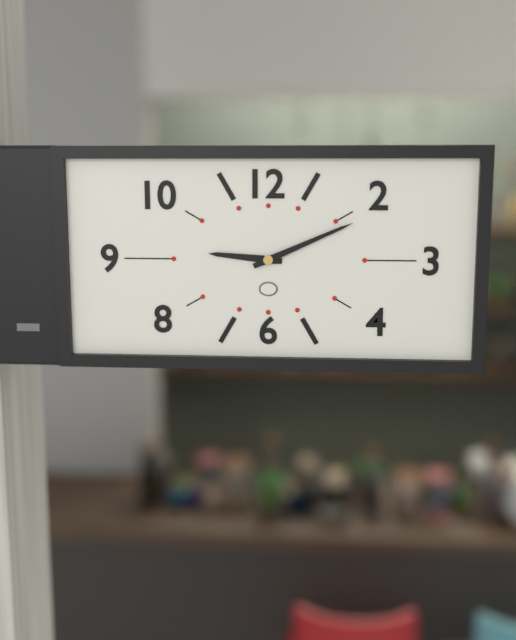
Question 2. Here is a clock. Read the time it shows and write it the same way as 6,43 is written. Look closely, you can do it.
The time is 9,11
